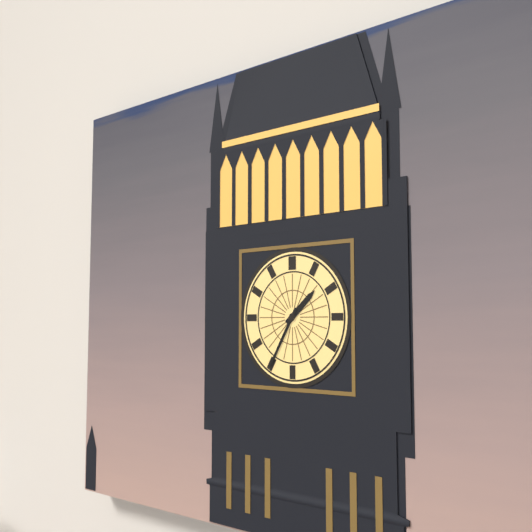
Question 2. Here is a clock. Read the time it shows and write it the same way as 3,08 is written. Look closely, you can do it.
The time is 1,35
